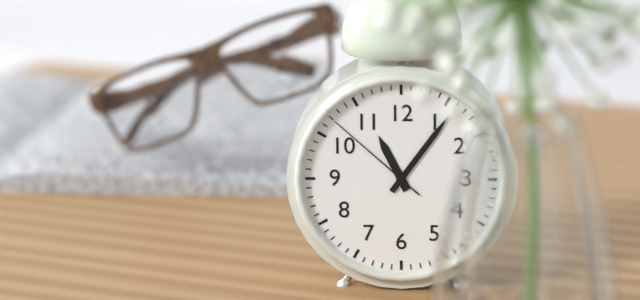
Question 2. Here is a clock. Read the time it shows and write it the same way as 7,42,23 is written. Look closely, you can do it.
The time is 11,06,52
